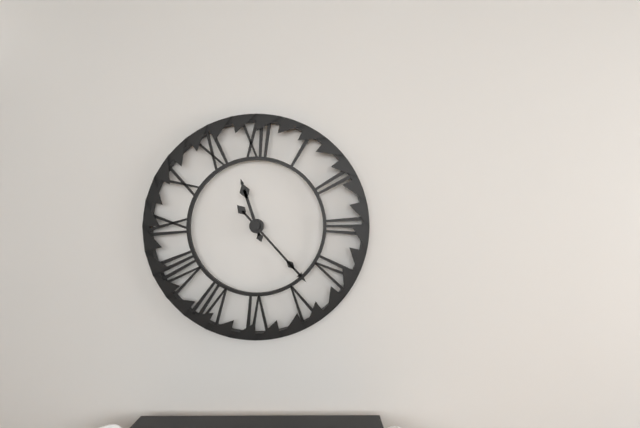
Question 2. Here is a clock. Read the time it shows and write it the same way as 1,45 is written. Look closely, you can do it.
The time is 11,23
